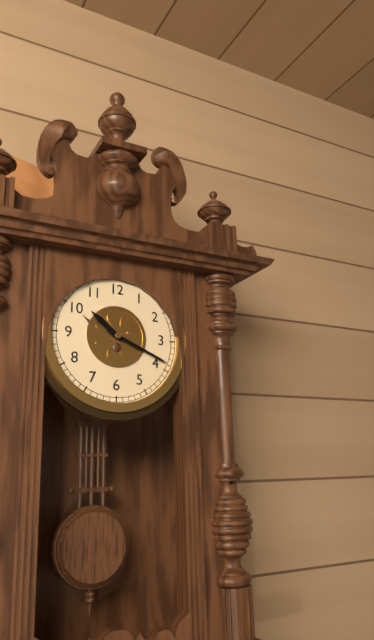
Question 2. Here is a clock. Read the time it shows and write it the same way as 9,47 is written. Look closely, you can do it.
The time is 10,19
